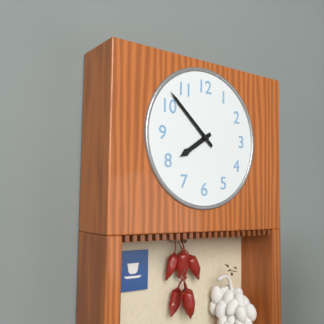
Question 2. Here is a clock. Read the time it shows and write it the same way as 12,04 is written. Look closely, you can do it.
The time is 7,52
